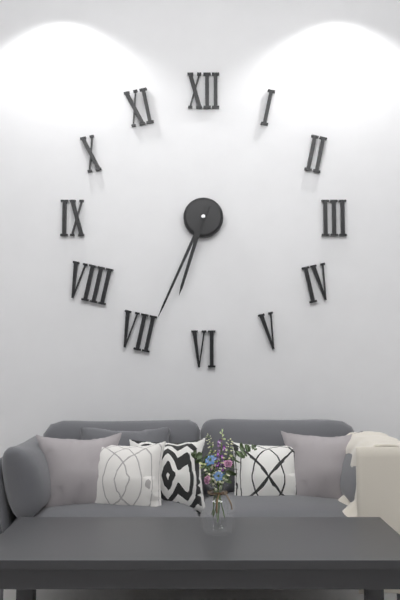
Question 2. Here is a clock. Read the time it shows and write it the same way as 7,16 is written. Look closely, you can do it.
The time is 6,34
